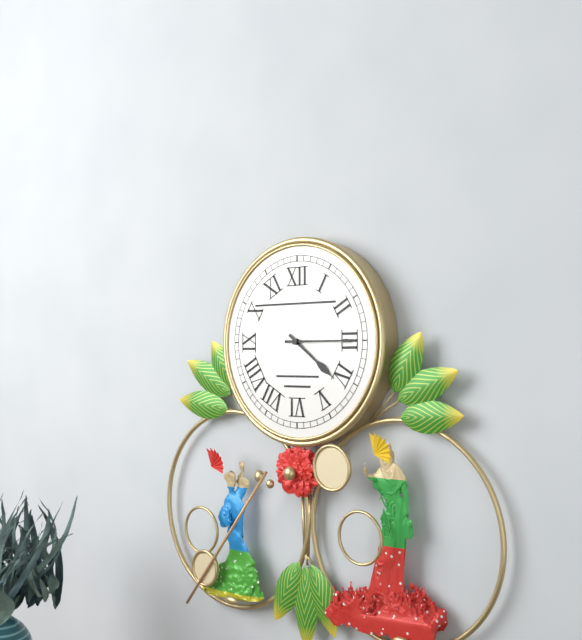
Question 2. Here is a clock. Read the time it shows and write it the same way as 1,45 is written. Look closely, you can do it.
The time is 4,15
